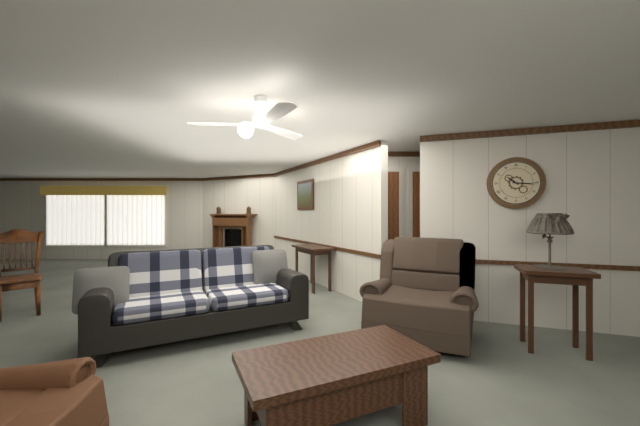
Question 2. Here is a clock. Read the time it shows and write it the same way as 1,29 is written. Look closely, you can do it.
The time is 10,16
